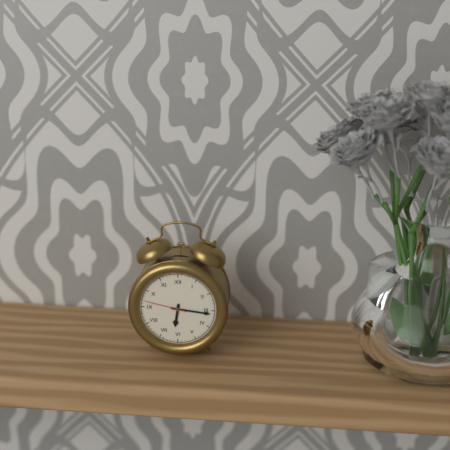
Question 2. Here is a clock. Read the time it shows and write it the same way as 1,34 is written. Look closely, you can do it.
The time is 6,16
